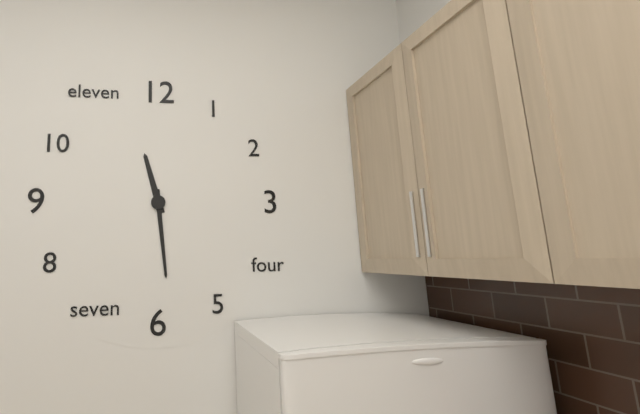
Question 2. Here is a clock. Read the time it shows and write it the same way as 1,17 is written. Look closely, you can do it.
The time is 11,29
